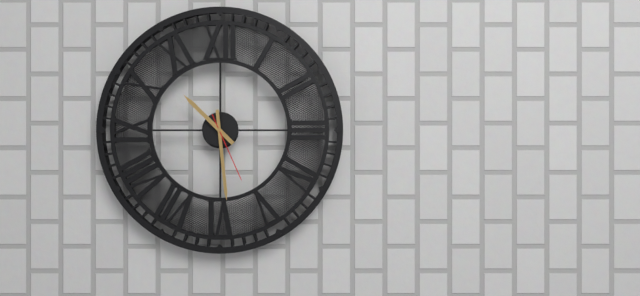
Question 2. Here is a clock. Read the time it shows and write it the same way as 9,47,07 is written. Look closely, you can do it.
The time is 10,29,26
